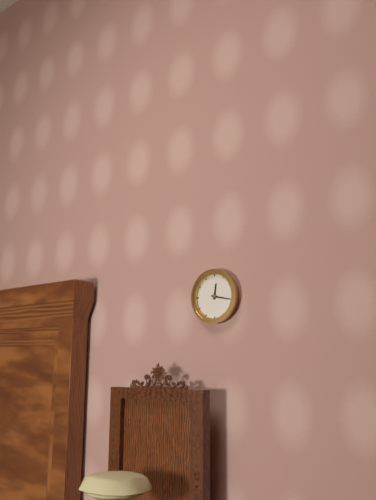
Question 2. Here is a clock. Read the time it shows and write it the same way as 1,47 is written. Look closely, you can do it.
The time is 12,17
